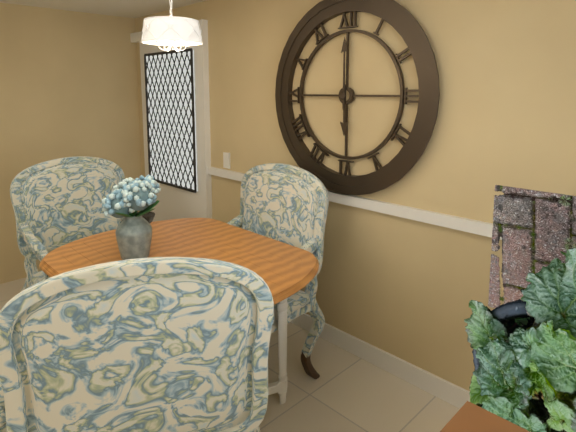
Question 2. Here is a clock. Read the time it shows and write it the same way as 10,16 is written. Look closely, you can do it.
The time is 6,00
